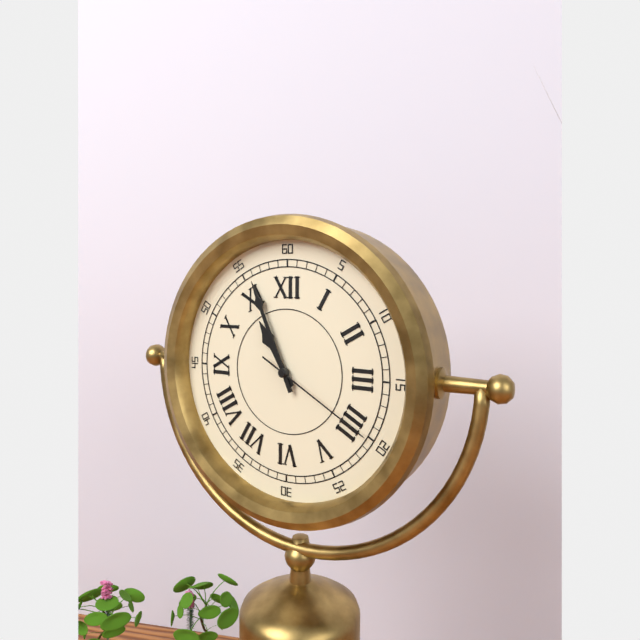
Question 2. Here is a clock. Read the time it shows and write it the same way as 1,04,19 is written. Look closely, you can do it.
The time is 10,56,20
